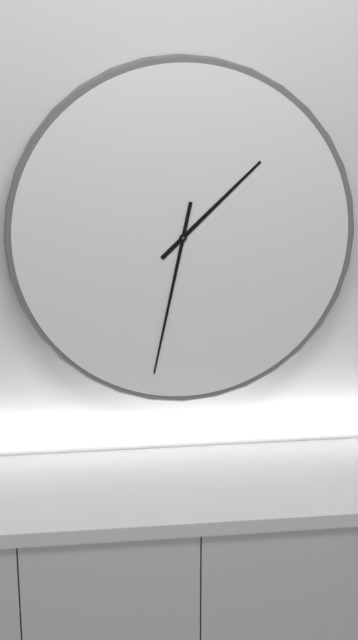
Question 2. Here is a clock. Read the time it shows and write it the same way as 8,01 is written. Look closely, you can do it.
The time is 1,32
